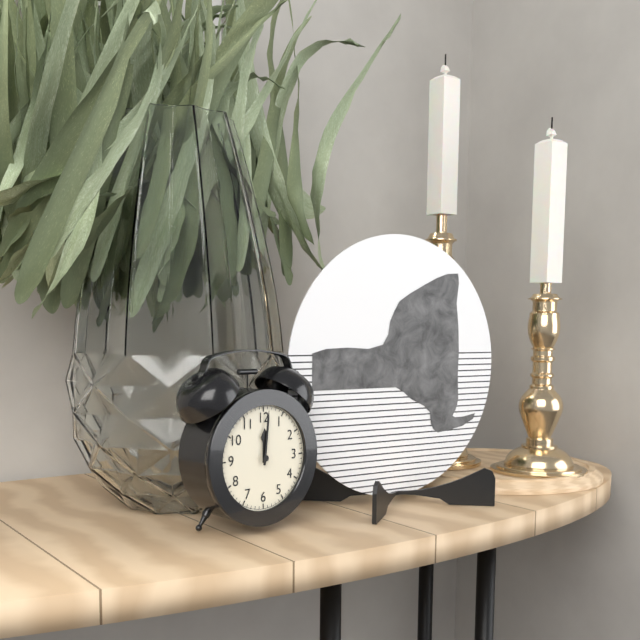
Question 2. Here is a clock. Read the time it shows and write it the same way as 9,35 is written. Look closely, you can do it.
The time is 12,01
